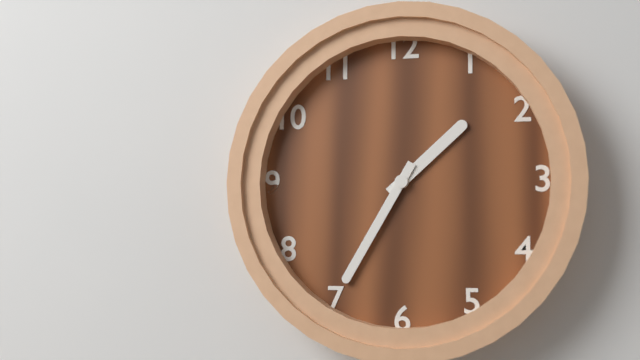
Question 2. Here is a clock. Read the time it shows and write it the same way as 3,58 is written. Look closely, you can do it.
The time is 1,35
